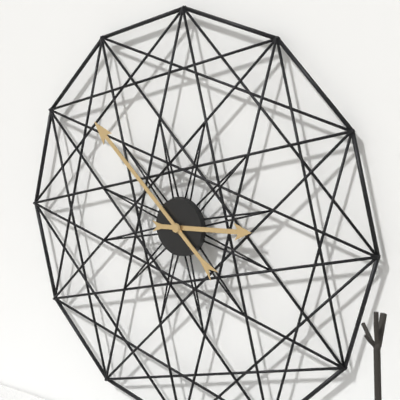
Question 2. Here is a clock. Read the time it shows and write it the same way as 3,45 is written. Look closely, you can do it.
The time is 2,52
